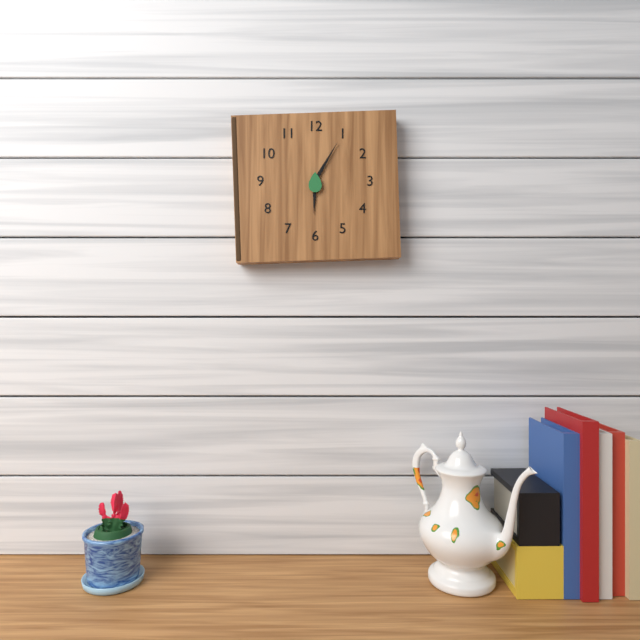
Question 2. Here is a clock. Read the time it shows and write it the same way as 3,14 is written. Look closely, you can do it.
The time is 6,05
